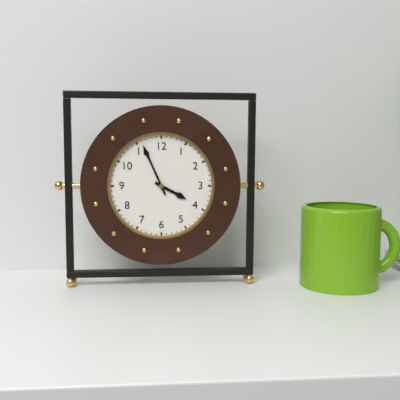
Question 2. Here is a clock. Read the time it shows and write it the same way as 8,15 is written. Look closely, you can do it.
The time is 3,56
